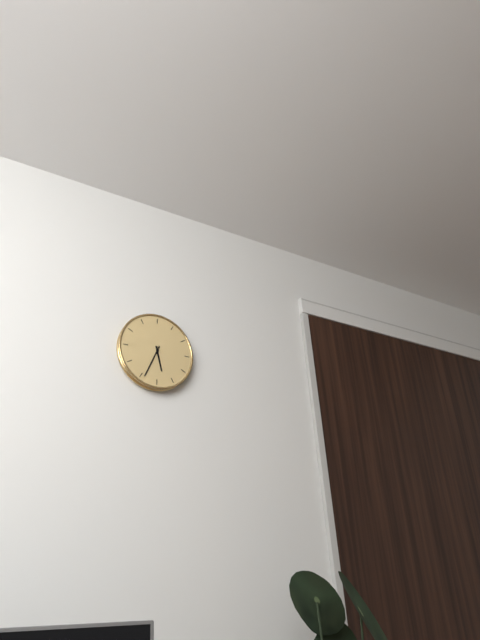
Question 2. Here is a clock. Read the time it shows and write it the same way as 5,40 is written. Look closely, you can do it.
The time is 5,34
